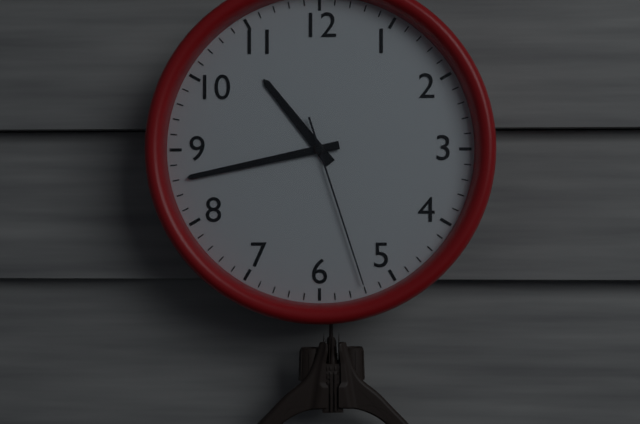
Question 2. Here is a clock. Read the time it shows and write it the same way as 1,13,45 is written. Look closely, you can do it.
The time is 10,43,27
